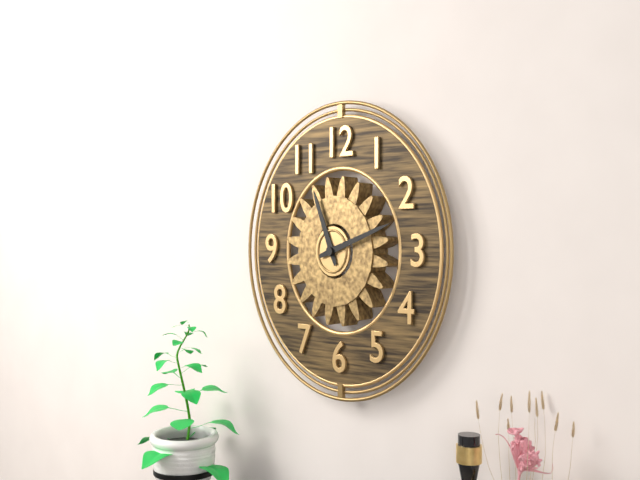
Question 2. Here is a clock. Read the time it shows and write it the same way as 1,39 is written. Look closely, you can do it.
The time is 11,12
